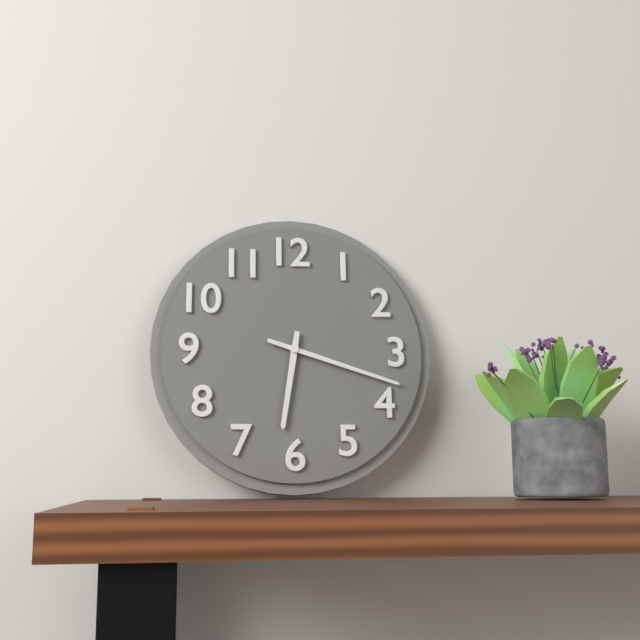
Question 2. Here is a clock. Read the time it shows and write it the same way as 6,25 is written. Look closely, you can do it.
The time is 6,18
